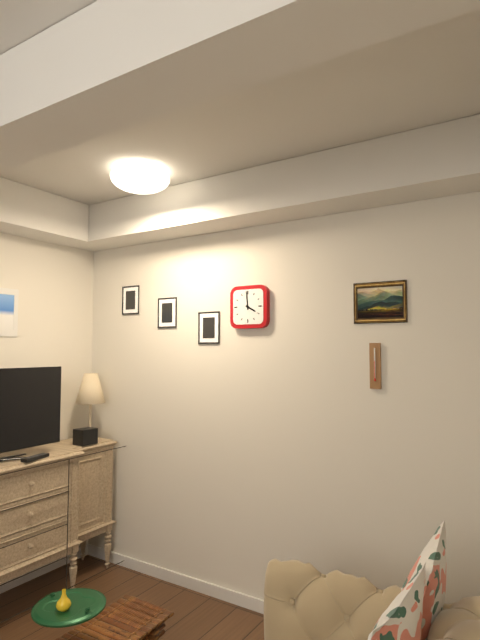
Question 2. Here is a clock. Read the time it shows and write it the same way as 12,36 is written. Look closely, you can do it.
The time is 3,59
